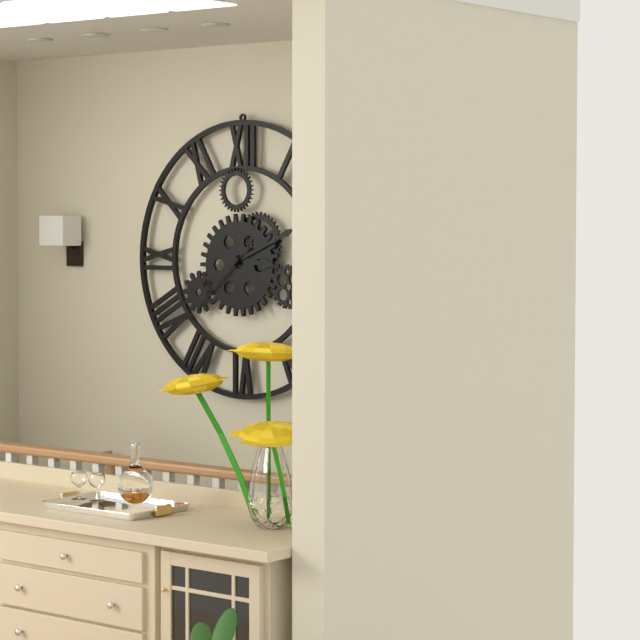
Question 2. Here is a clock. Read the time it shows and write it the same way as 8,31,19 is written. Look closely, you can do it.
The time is 3,11,38
